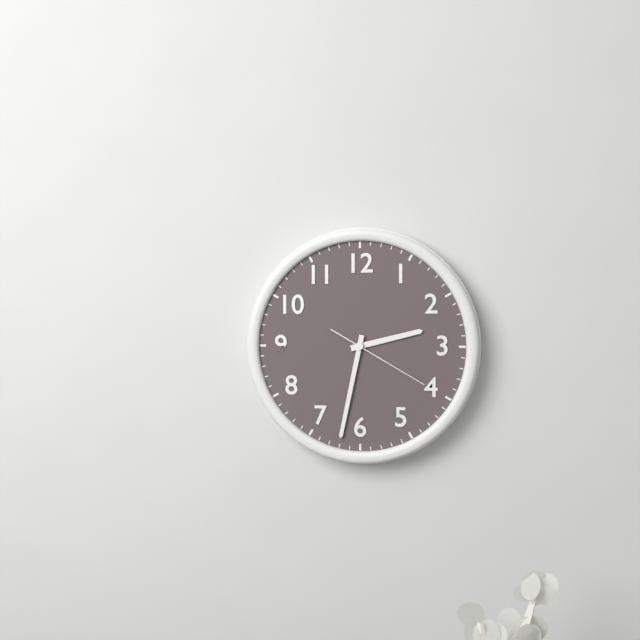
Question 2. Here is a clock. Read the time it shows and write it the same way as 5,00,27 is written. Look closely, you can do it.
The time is 2,32,20
